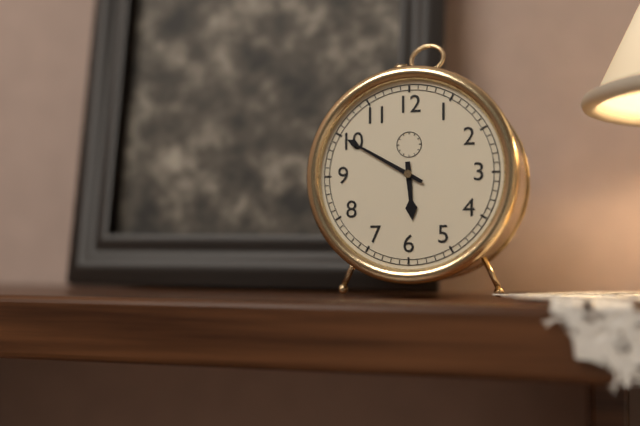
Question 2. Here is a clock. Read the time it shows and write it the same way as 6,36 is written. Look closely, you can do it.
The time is 5,50
